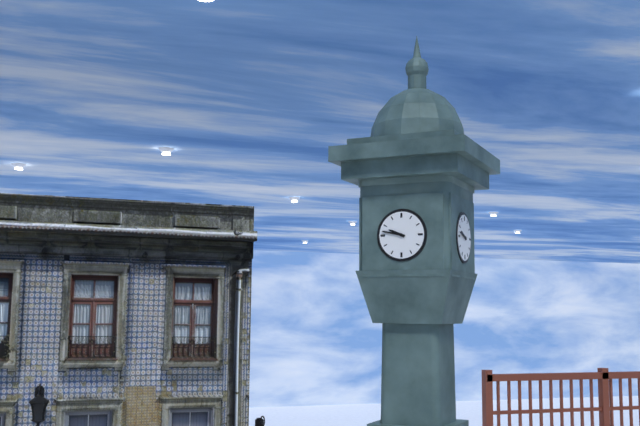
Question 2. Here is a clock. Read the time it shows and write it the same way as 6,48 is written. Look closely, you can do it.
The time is 9,47
